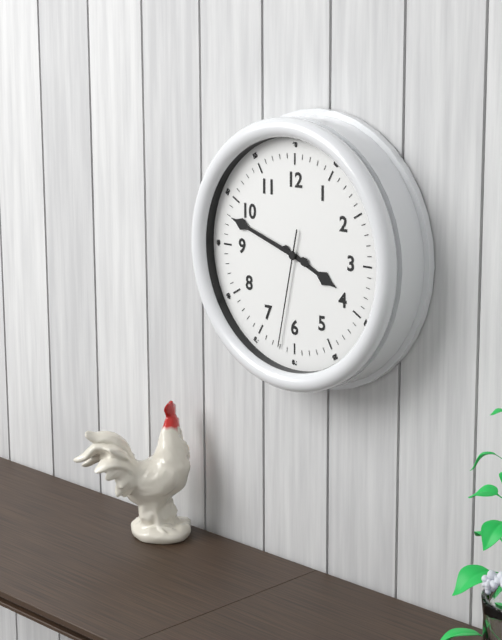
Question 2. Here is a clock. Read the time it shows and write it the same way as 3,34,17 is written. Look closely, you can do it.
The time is 3,48,32
